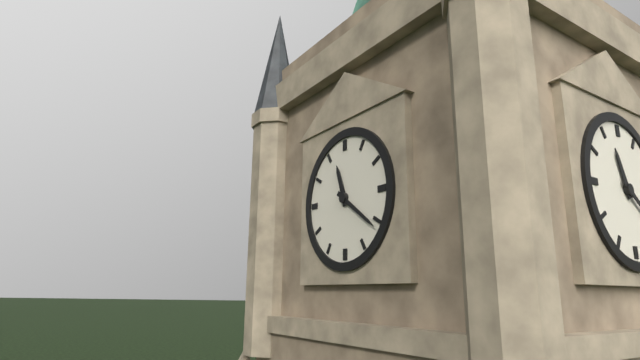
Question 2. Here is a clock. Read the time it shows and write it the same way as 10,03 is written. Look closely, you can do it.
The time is 11,21
